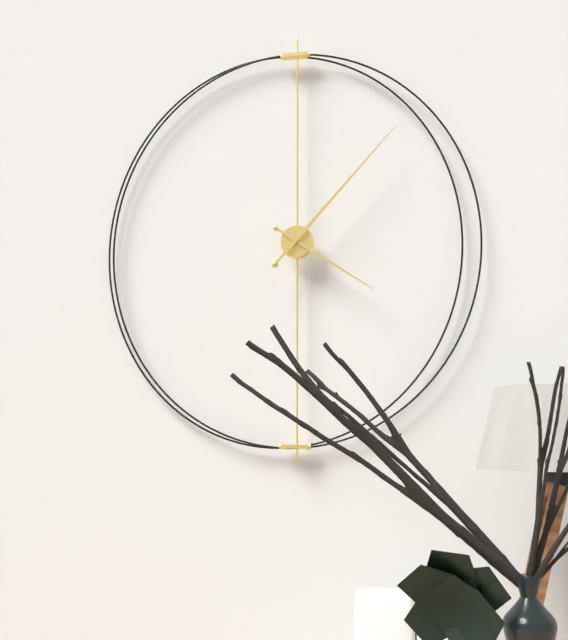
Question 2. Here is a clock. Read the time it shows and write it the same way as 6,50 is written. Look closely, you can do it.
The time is 4,07
